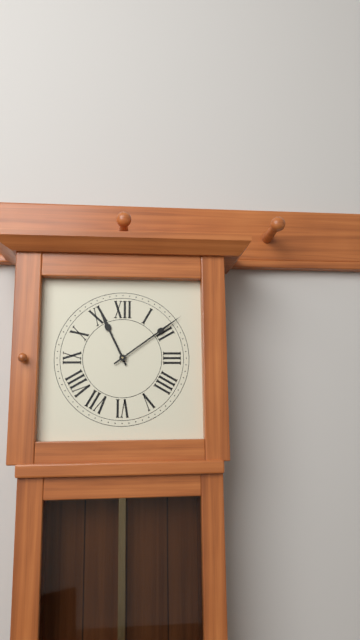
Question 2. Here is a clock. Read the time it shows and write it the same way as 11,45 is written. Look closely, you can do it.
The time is 11,09
